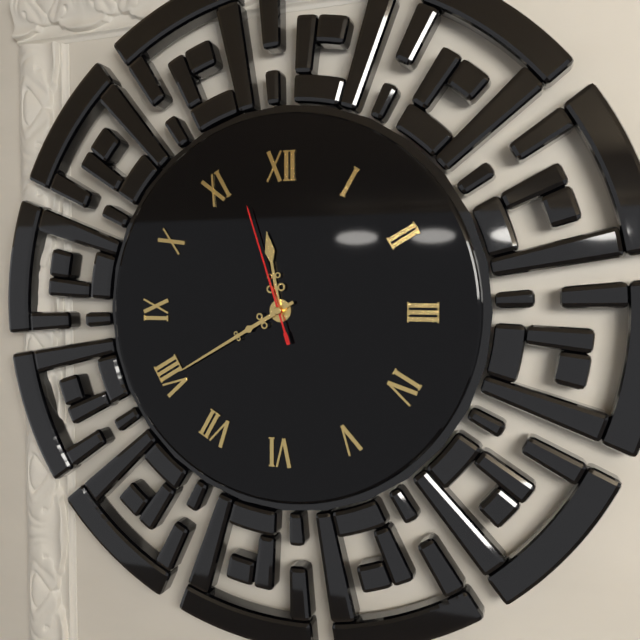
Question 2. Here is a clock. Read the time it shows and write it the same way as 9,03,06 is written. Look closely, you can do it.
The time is 11,40,57
